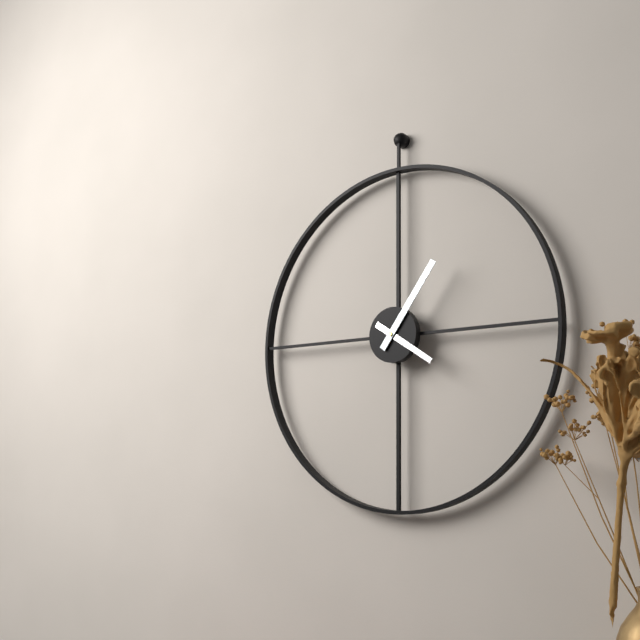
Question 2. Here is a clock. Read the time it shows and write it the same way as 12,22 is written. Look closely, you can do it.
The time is 4,06
